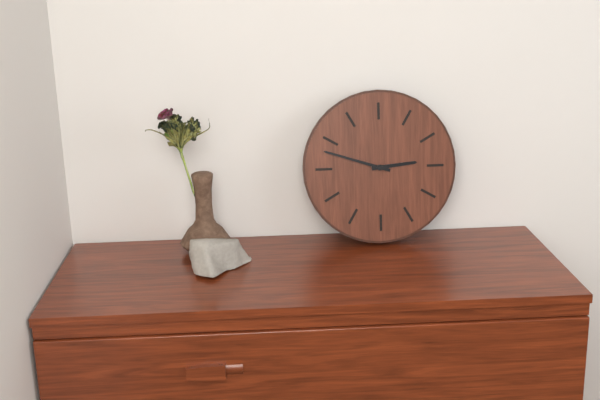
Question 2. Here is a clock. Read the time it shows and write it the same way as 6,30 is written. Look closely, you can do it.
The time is 2,48
